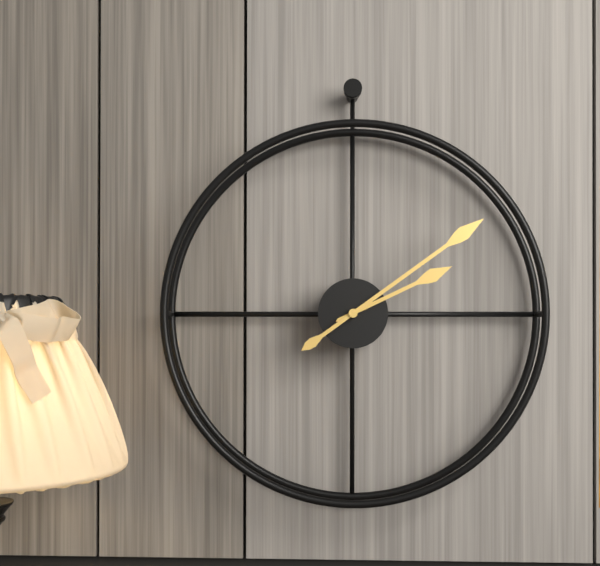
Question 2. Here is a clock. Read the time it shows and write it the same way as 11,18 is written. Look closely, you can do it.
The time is 2,09
